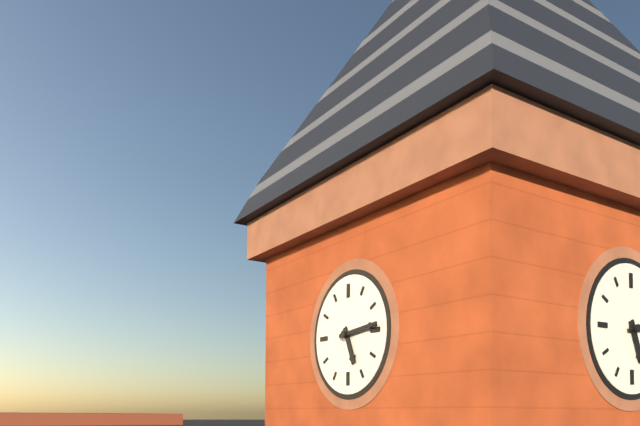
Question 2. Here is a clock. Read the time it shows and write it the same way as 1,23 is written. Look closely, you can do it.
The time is 5,14
